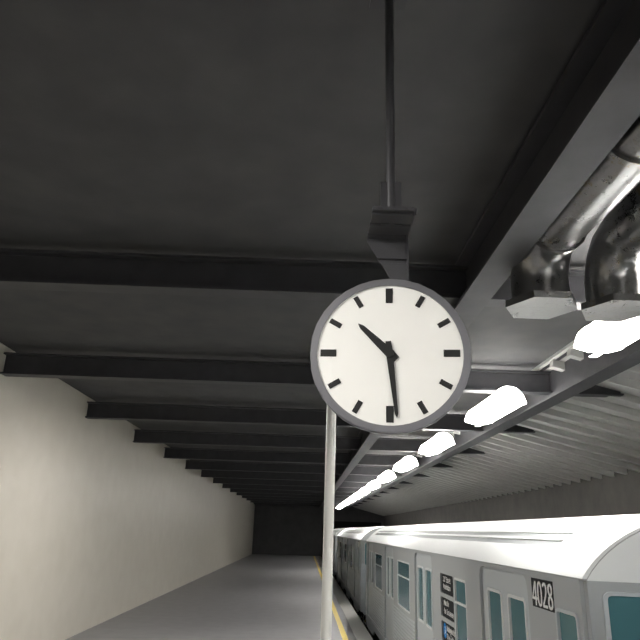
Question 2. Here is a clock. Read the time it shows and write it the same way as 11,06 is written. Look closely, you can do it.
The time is 10,29
